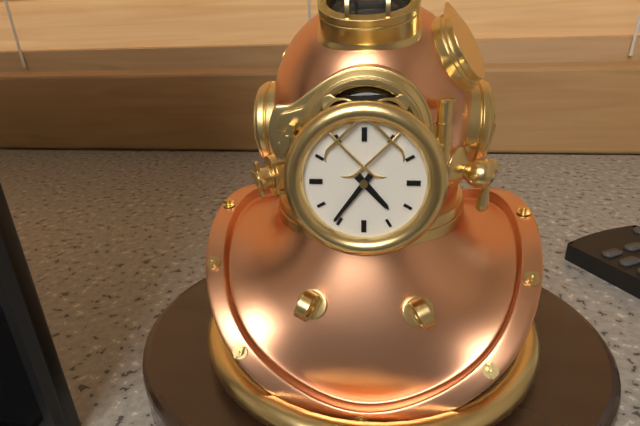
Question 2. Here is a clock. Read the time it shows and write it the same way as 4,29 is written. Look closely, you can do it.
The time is 4,36
